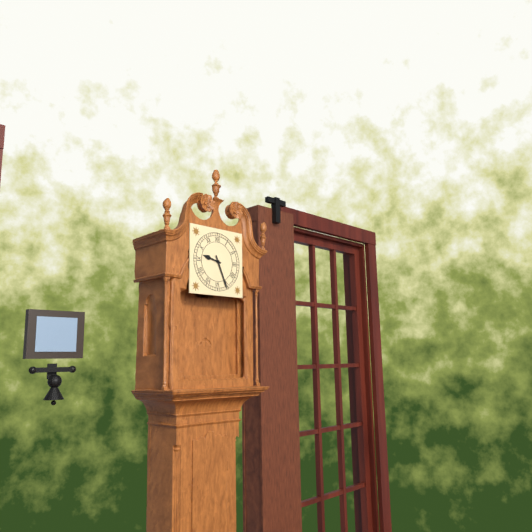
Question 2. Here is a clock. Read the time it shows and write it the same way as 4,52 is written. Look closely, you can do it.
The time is 9,26
